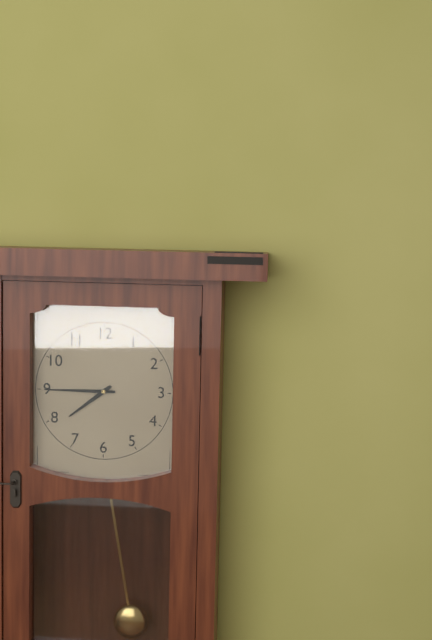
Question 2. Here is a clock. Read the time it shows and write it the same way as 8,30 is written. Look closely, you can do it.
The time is 7,45
